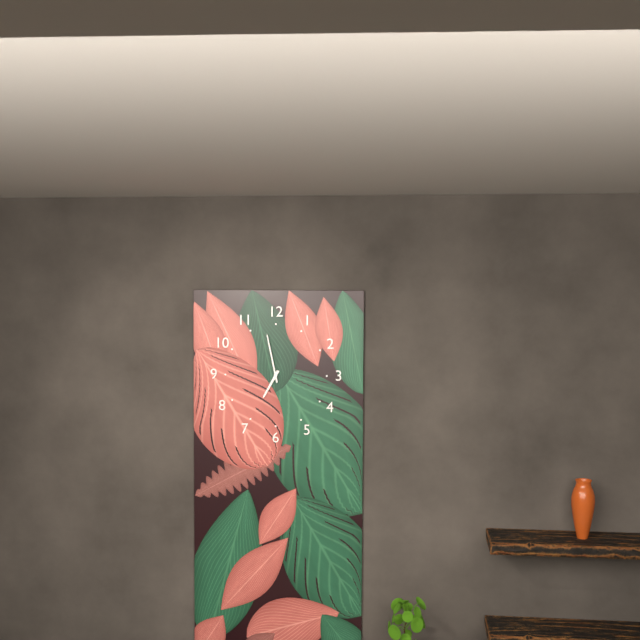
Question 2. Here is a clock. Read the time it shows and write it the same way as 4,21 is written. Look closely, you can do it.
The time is 6,58
